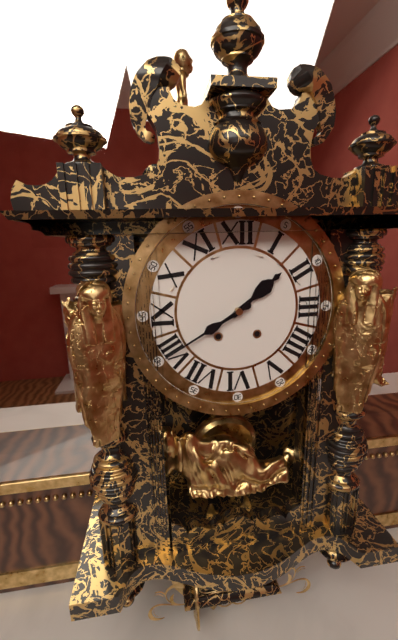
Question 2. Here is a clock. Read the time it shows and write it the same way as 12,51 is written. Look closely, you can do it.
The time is 1,40
